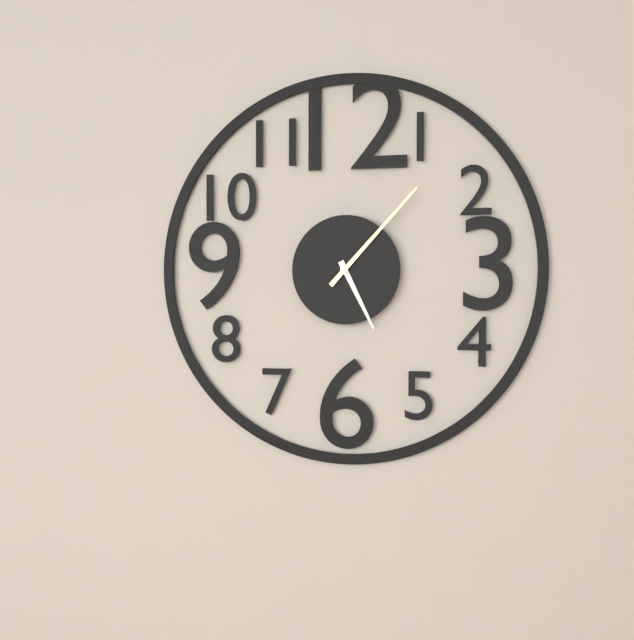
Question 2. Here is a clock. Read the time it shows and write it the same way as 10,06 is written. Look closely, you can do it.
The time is 5,07
